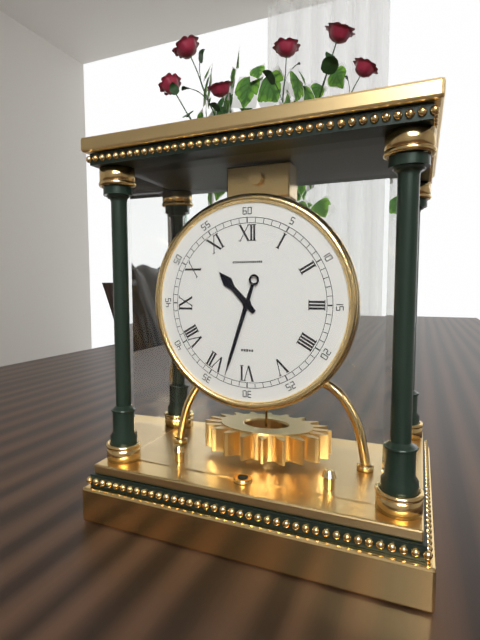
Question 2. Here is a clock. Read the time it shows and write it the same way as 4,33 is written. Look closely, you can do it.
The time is 10,33
